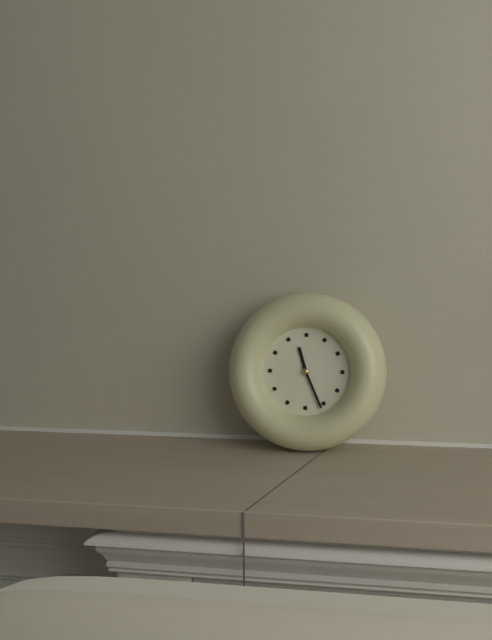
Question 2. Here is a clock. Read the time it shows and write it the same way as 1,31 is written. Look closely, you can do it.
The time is 11,26
